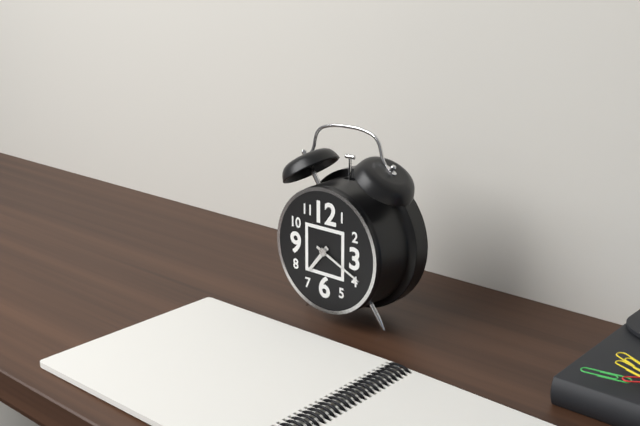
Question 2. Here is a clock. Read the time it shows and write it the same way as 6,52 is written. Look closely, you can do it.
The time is 7,19
